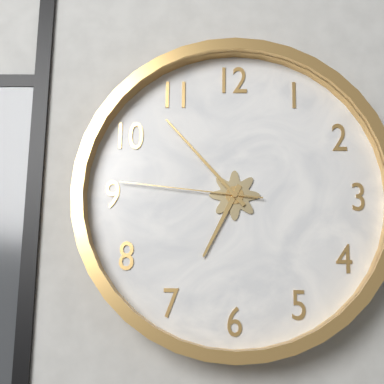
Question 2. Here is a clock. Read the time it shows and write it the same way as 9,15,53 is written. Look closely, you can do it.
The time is 6,53,46
